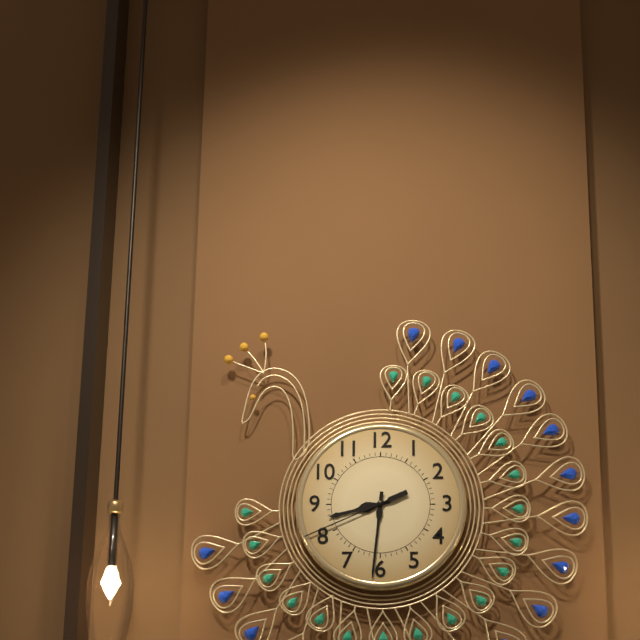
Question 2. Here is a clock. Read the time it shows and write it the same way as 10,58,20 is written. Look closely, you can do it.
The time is 8,31,41
